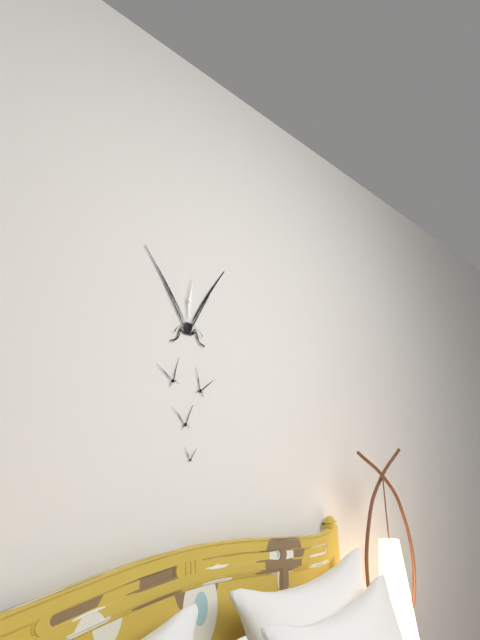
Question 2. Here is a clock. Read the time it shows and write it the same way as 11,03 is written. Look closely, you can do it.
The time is 6,02
